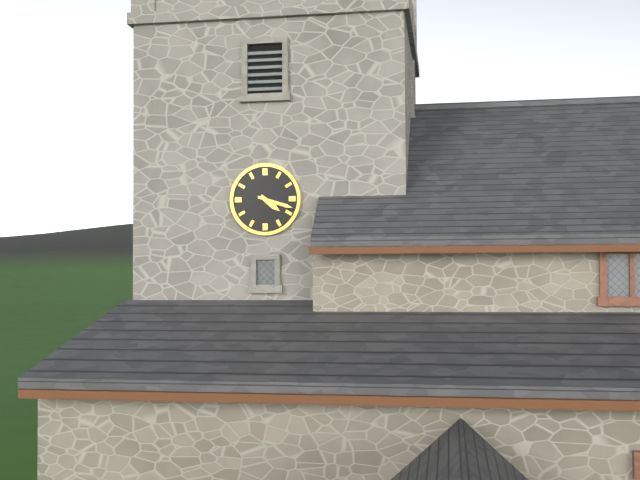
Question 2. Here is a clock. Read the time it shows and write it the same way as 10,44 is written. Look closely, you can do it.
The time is 4,18
